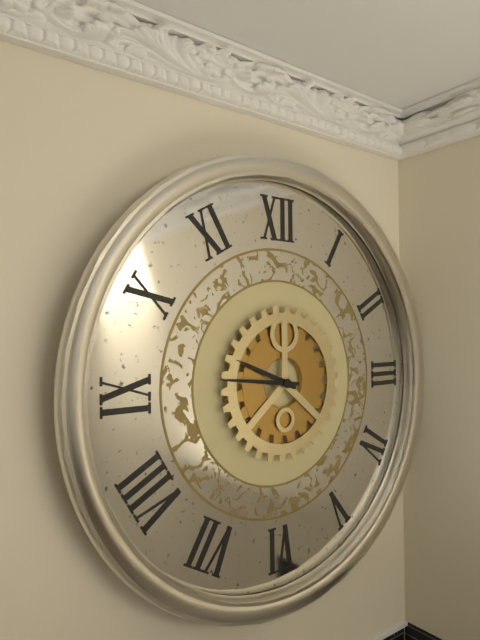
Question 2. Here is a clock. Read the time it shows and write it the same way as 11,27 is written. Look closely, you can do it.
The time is 9,46
